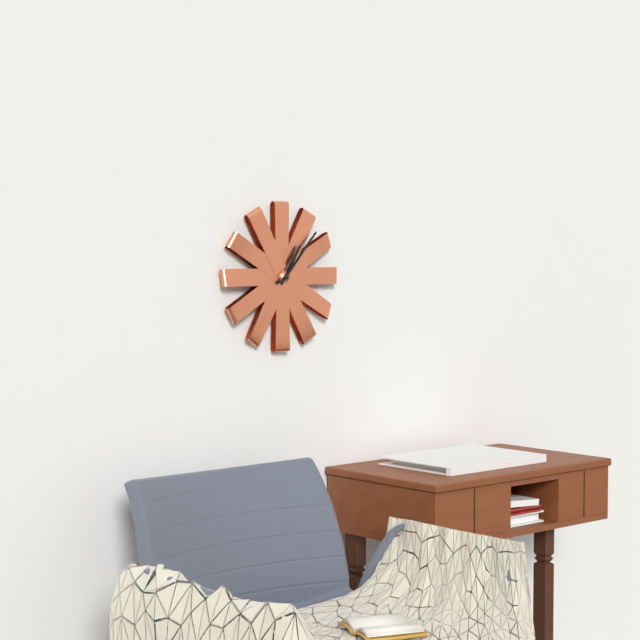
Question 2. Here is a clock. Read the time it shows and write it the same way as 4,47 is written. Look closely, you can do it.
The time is 1,07
